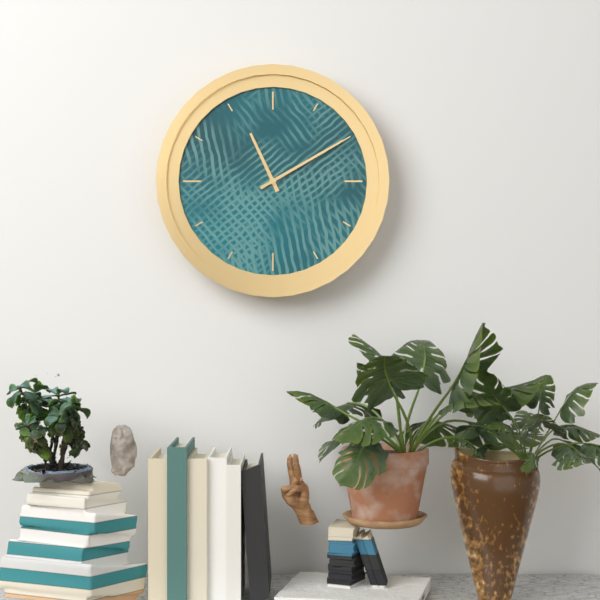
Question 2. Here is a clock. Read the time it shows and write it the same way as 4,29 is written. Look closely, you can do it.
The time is 11,10
